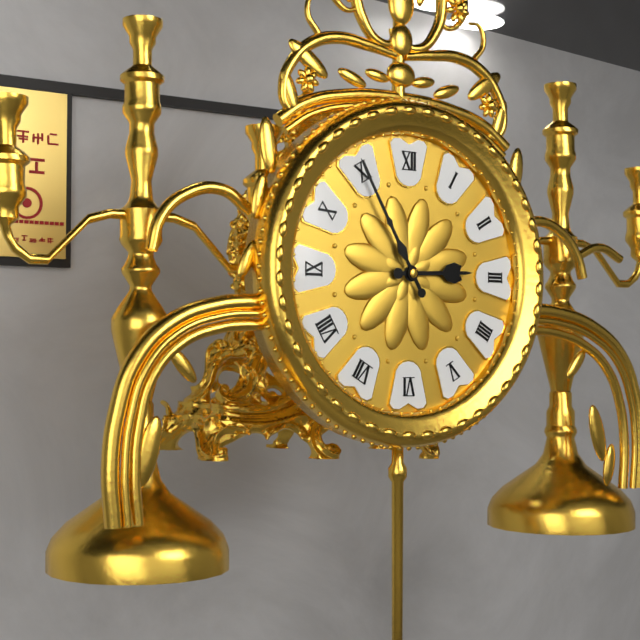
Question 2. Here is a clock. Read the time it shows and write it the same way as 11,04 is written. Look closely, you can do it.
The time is 2,55
